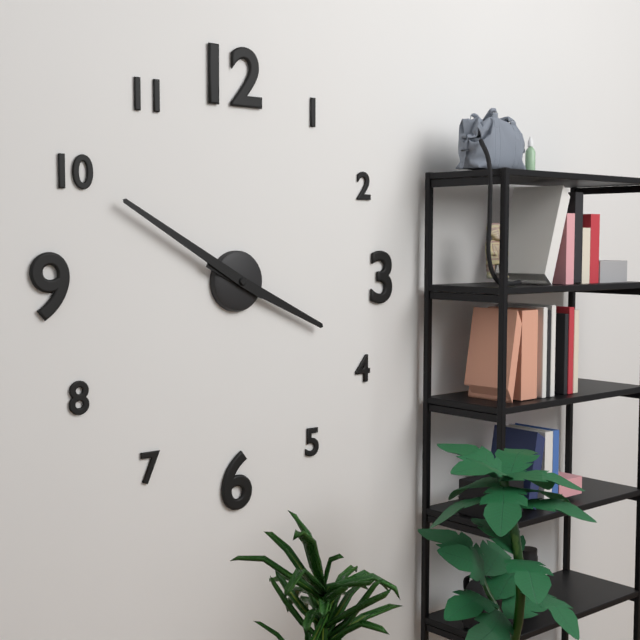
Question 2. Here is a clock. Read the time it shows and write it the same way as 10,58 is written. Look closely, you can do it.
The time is 3,50
